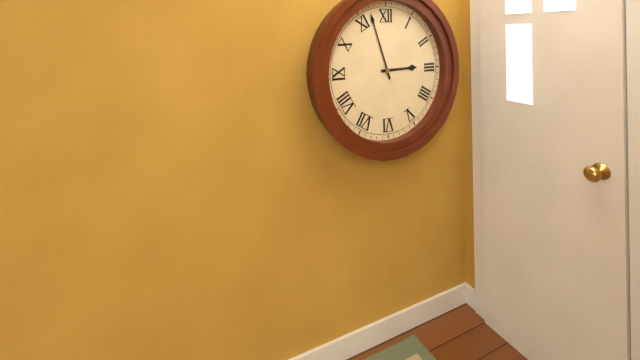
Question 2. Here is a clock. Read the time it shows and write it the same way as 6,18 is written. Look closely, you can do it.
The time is 2,57
